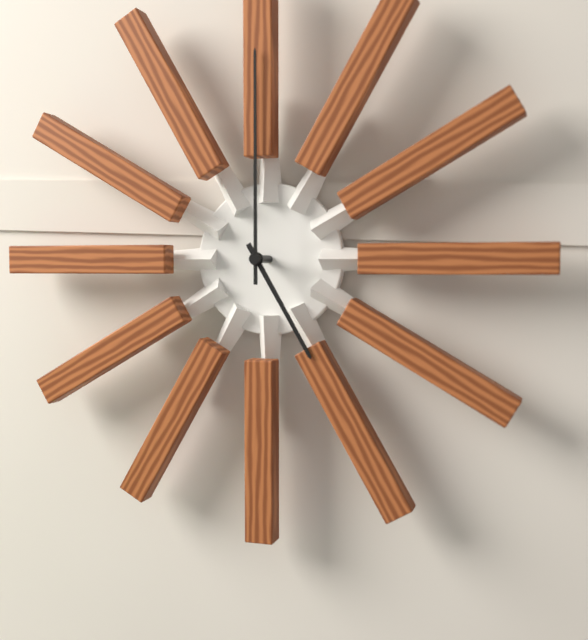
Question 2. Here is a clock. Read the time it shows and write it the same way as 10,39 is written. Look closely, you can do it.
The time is 5,00
